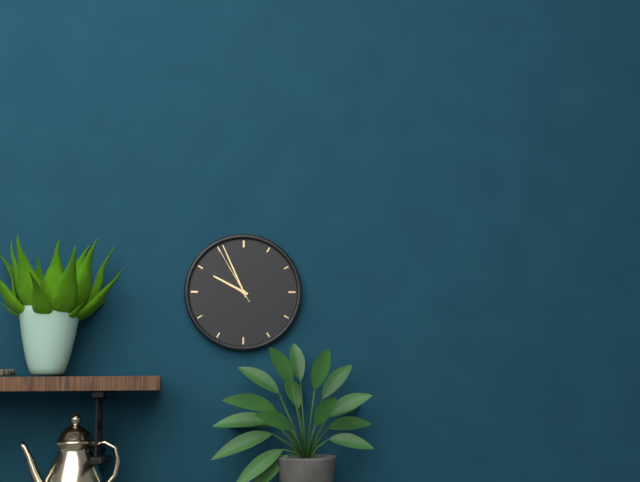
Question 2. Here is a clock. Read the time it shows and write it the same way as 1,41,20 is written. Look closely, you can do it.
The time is 9,56,55
